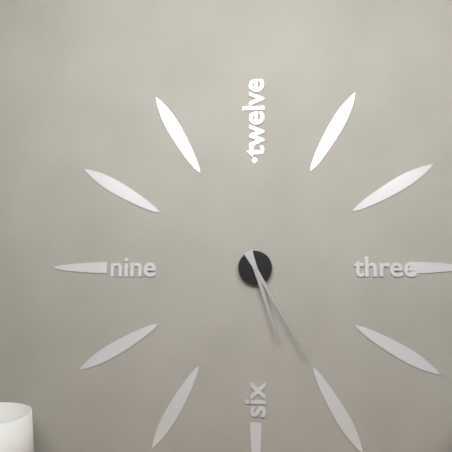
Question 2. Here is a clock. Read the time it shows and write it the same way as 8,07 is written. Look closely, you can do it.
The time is 5,25
